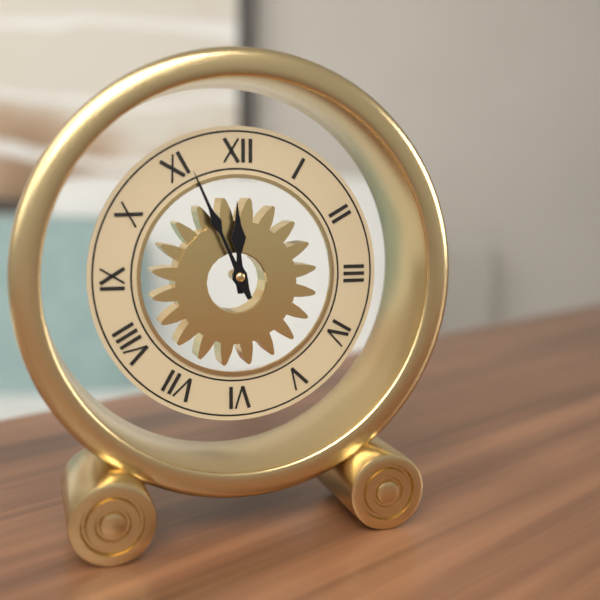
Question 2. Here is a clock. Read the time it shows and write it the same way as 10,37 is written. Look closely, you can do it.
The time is 11,56
